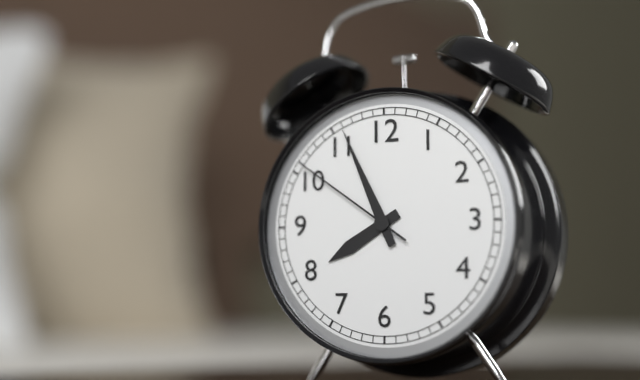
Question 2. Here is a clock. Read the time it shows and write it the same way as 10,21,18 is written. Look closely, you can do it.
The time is 7,56,51
